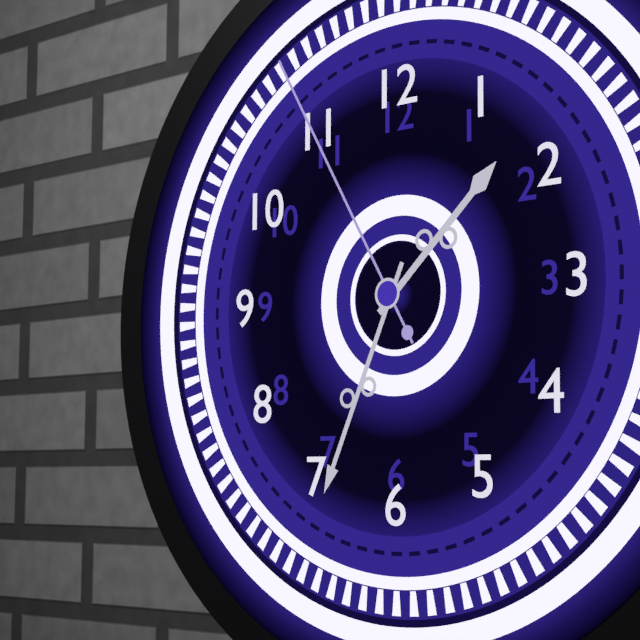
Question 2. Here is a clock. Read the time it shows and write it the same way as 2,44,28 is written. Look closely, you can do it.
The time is 1,34,55
